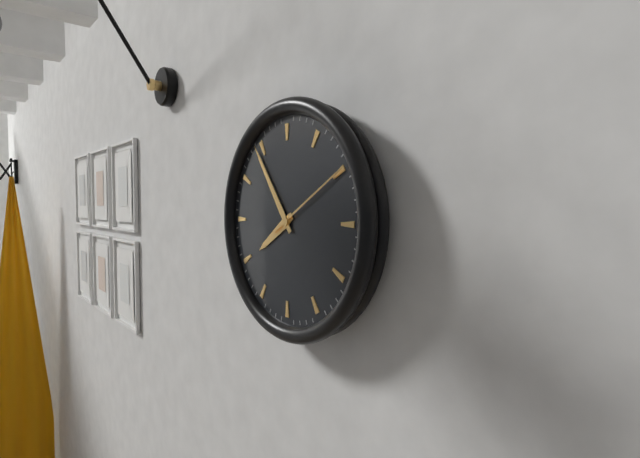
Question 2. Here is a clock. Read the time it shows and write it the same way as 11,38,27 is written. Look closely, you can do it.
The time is 7,54,10
